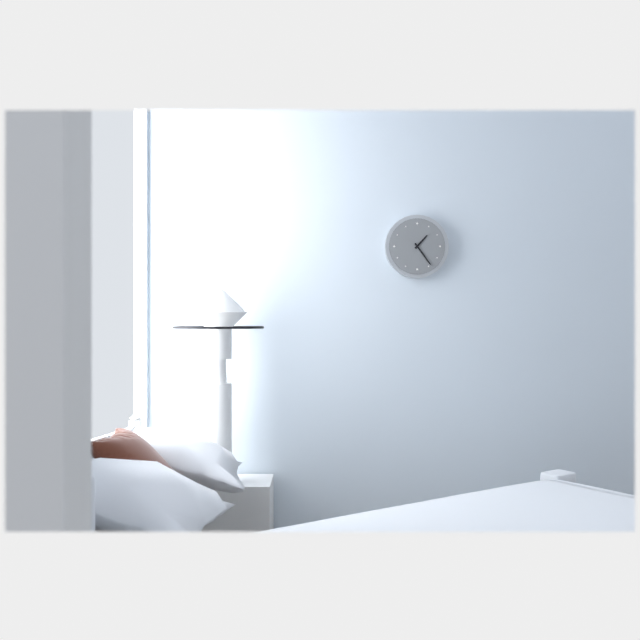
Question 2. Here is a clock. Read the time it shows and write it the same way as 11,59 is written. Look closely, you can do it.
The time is 1,24
